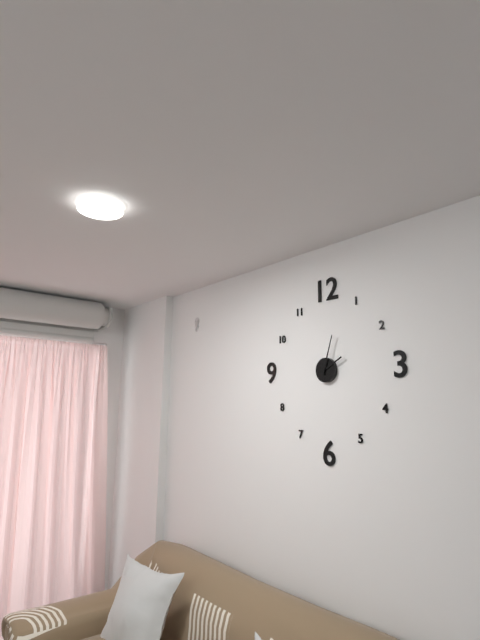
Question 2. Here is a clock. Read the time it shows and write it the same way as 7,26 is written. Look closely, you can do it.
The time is 2,03
